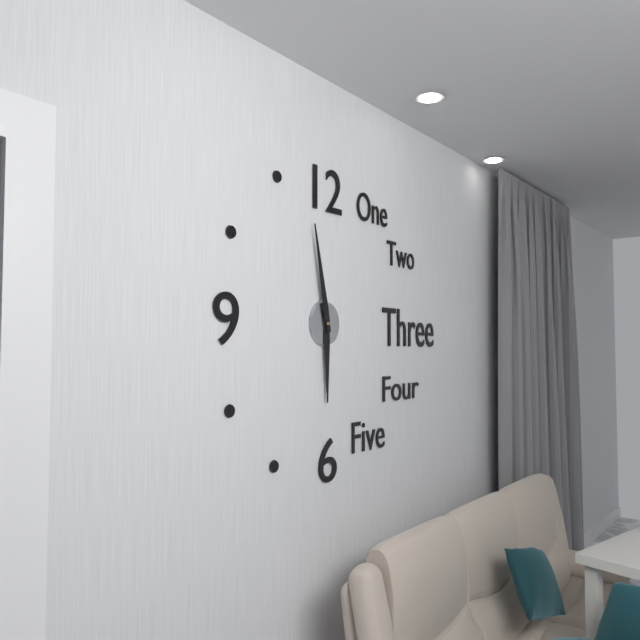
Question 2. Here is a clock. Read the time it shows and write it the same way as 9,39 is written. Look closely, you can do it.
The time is 5,58
